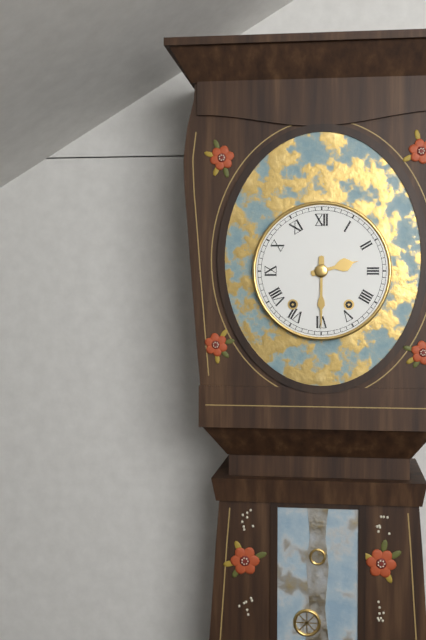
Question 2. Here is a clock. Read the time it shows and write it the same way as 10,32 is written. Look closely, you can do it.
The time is 2,30
